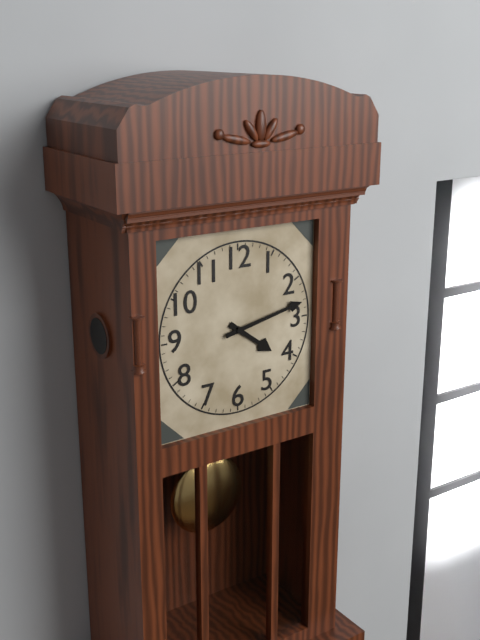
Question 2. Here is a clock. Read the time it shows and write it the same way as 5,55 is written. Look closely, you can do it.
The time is 4,13
